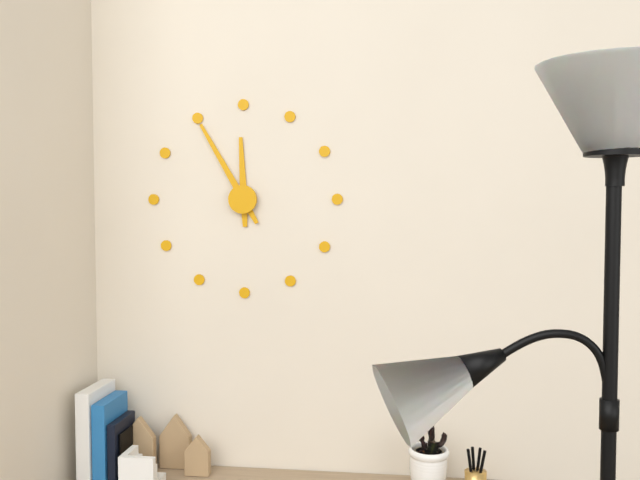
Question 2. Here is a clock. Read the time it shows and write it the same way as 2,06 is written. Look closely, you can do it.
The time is 11,55
